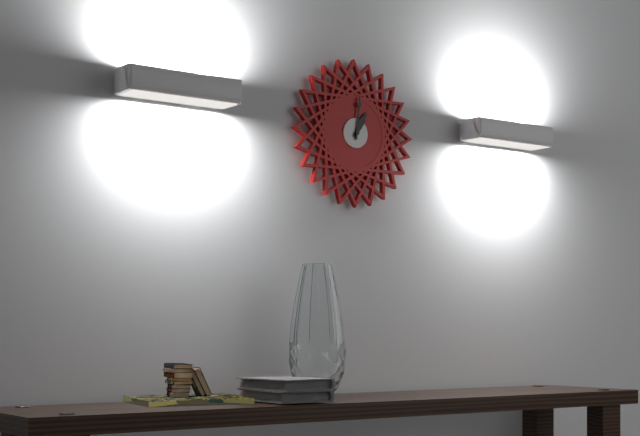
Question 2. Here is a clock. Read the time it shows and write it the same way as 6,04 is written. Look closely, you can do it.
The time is 1,01
